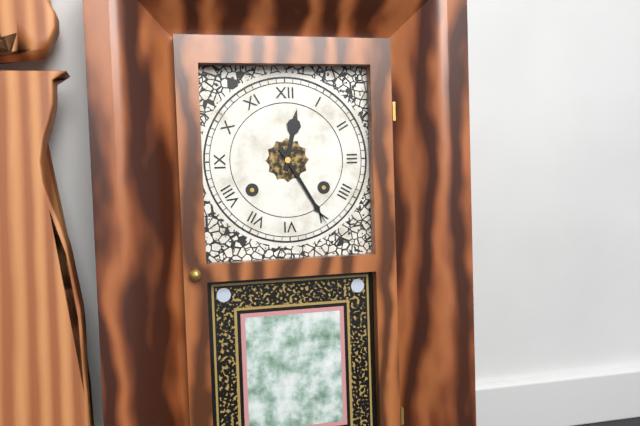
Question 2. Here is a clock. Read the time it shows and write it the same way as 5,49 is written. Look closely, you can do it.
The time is 12,25
